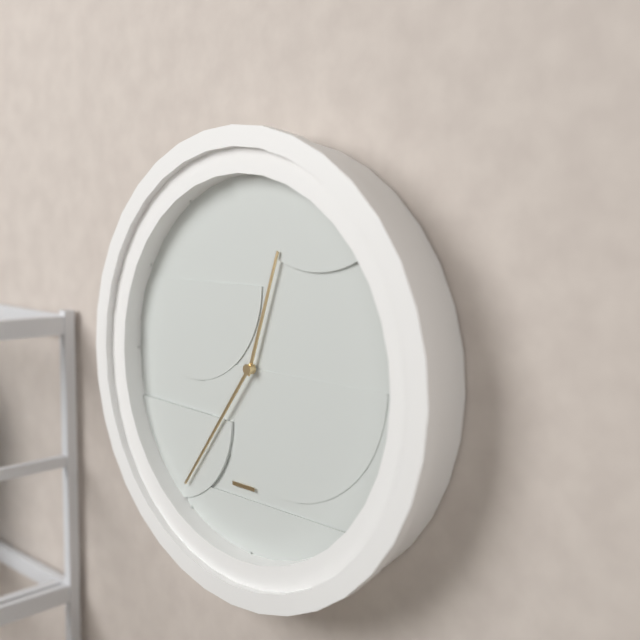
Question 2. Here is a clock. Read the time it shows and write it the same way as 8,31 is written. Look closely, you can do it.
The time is 12,36
